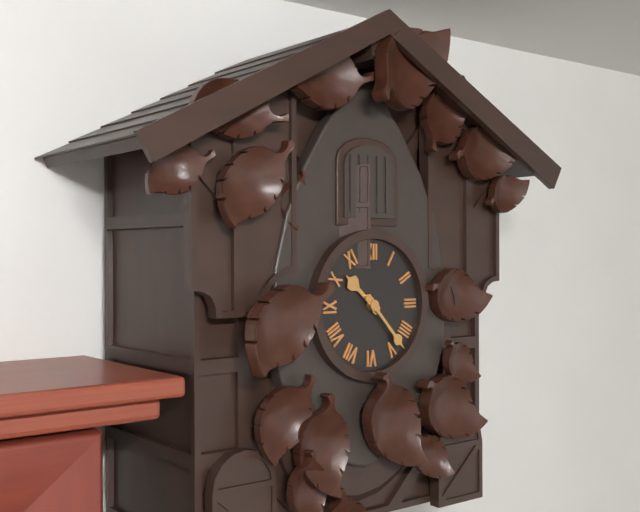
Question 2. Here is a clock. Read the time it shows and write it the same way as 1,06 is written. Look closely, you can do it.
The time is 10,23
